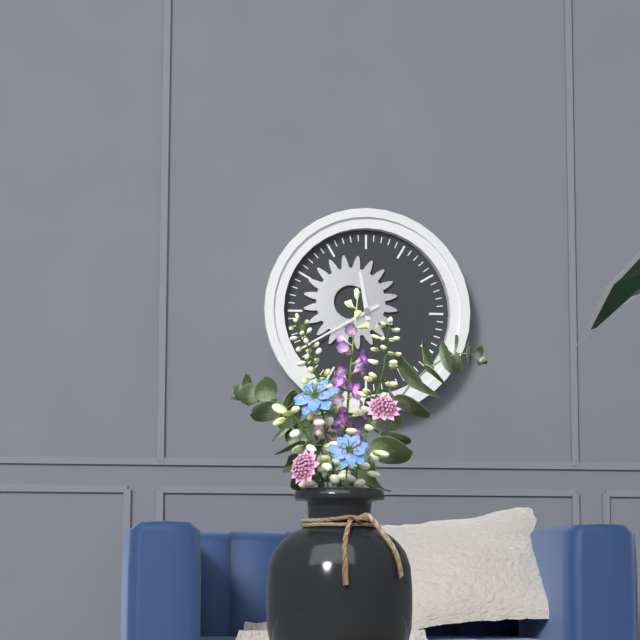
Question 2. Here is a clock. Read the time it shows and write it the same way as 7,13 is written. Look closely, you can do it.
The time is 11,40
